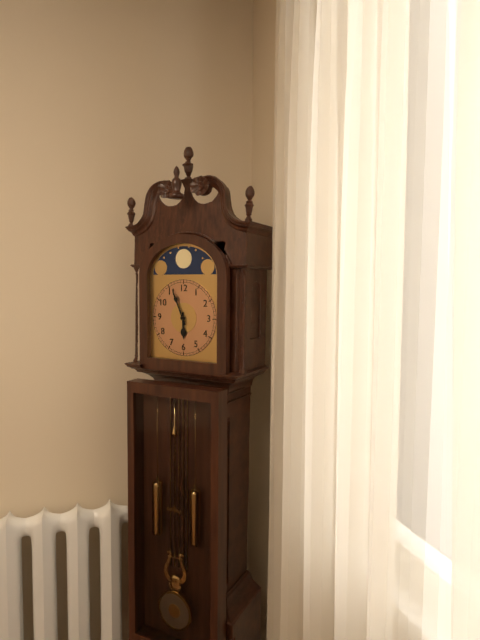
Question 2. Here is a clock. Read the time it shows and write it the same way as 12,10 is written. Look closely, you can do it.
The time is 5,56
